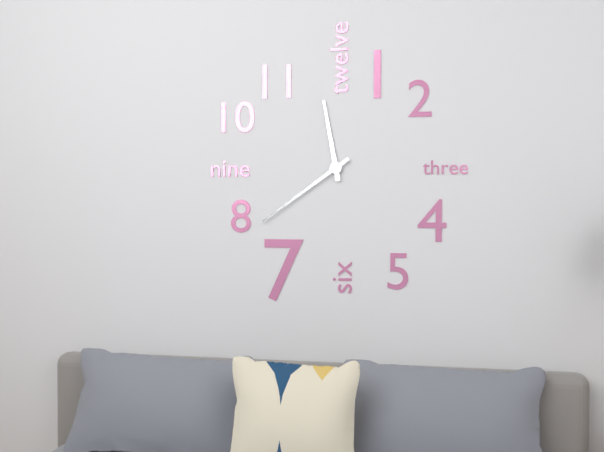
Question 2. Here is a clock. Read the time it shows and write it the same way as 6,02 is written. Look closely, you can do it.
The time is 11,39
